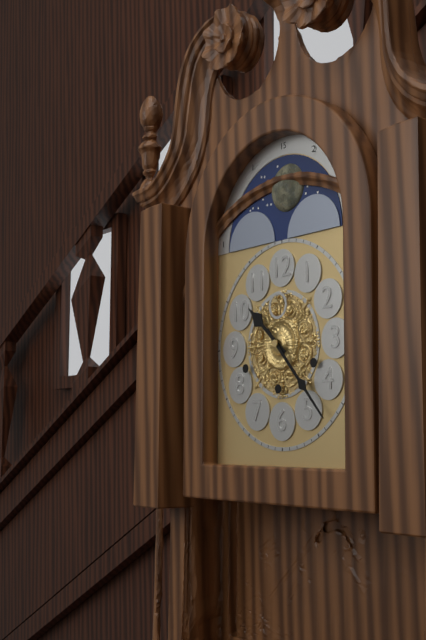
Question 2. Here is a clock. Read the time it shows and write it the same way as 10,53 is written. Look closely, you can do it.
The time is 10,23
